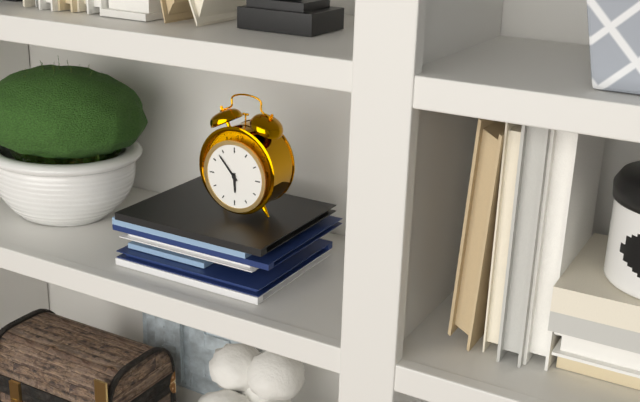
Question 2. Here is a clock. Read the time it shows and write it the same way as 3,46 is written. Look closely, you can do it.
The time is 5,53
